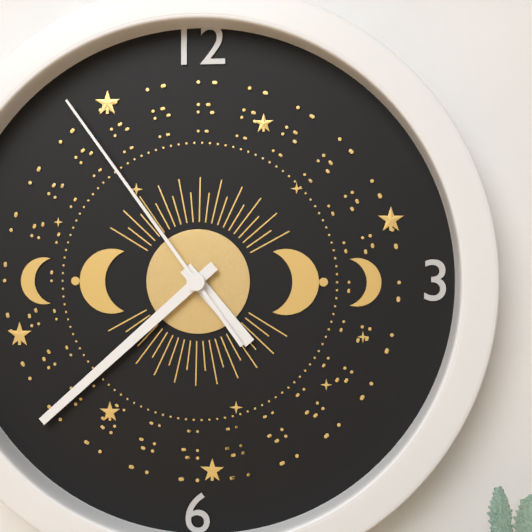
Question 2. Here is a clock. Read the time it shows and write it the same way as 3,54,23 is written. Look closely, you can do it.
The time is 4,38,54
